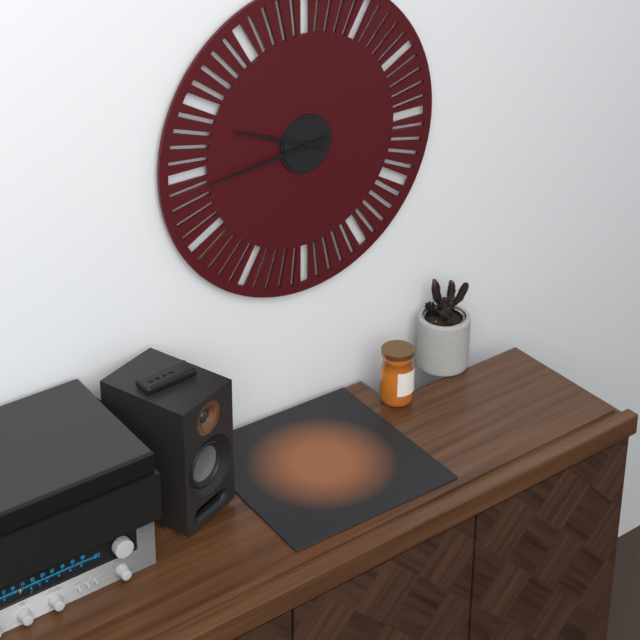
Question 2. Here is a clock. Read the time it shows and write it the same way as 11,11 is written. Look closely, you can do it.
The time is 9,44
